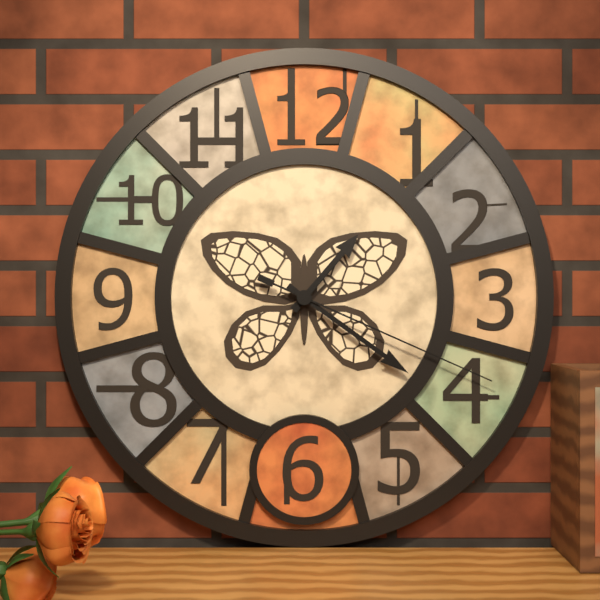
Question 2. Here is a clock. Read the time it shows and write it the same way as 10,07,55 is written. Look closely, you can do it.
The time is 1,21,19
